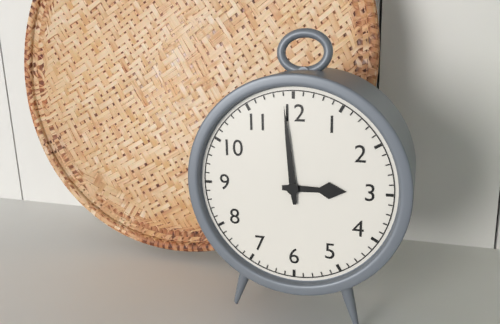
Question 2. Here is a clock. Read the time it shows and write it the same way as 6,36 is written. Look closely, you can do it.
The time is 2,59
